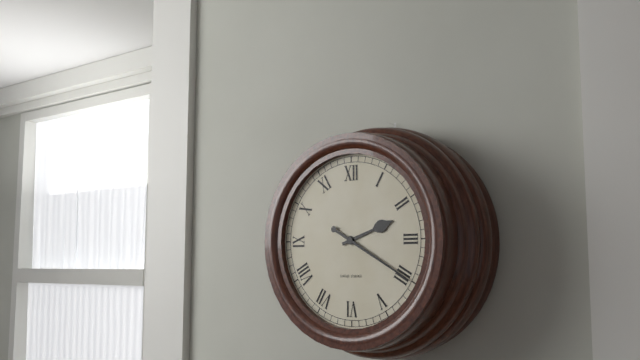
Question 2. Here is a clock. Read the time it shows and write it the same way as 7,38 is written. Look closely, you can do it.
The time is 2,20
